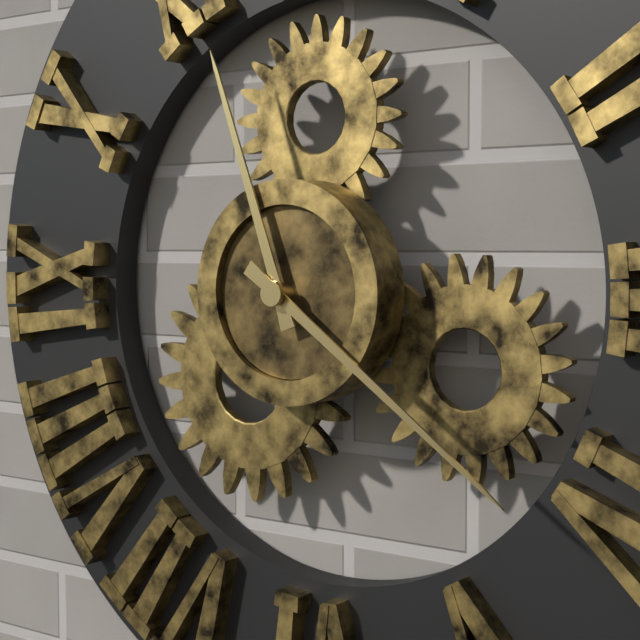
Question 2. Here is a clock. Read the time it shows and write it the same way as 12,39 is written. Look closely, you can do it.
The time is 11,21
